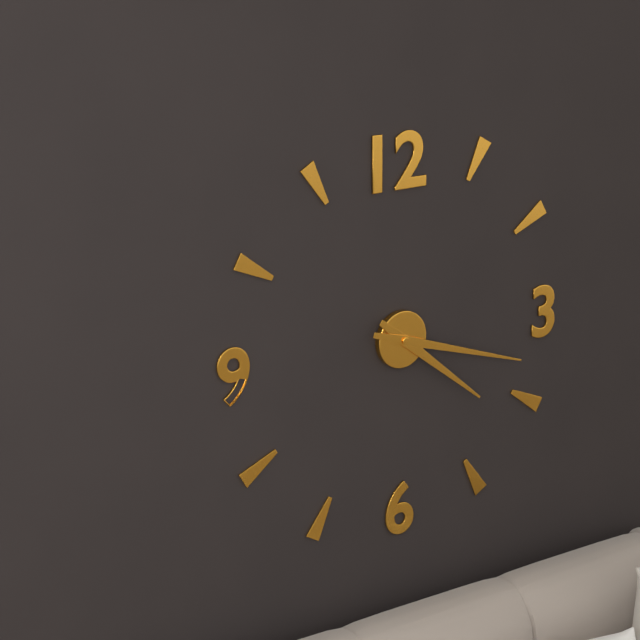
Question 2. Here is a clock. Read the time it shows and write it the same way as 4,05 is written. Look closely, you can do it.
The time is 4,18
